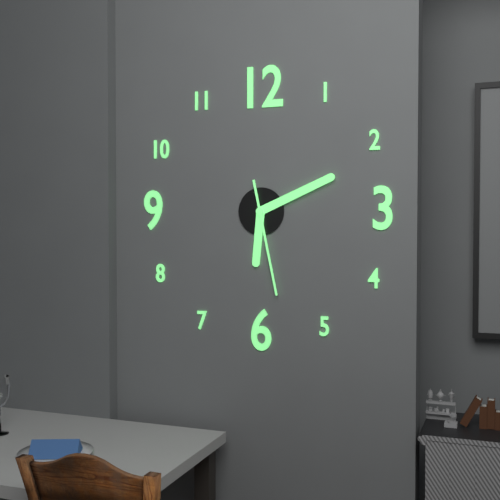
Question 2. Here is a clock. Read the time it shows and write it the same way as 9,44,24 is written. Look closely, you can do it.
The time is 6,11,28
